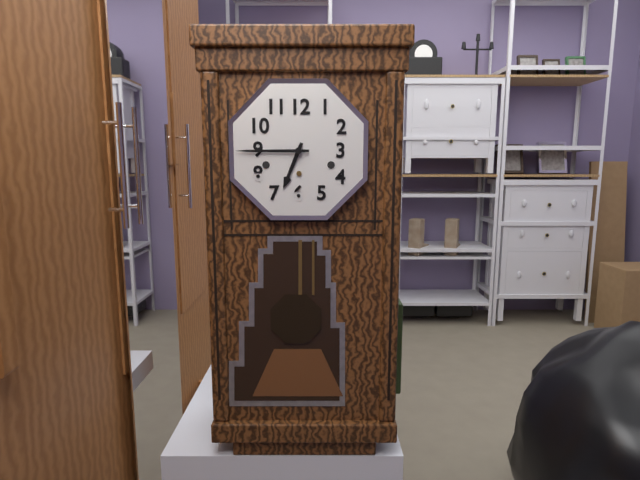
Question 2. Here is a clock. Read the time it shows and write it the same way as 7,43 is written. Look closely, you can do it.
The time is 6,45
